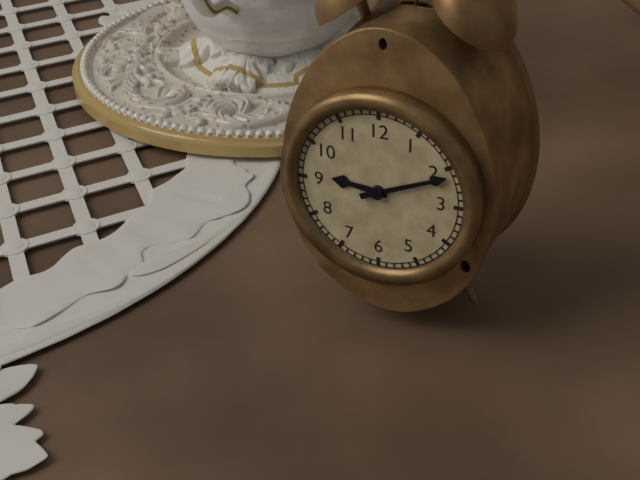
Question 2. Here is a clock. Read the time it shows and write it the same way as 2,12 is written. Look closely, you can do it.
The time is 9,11
